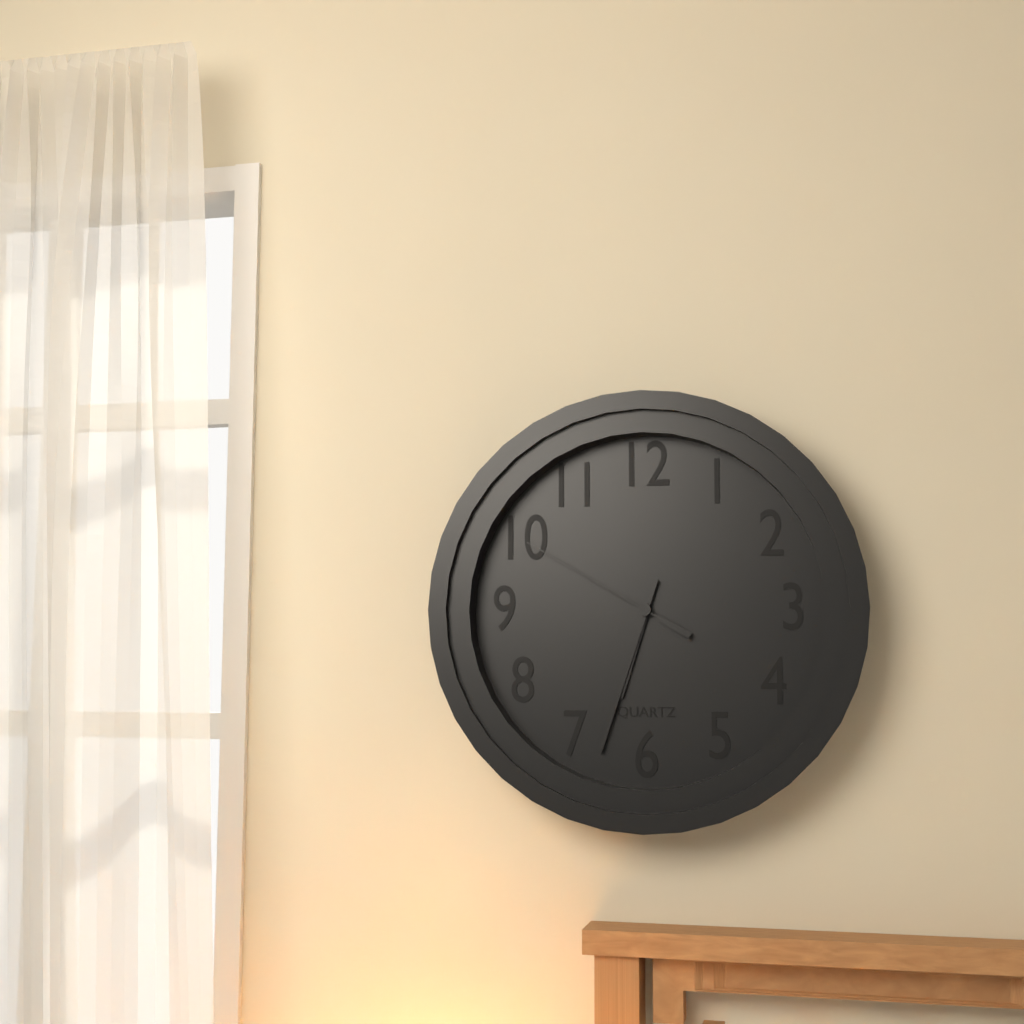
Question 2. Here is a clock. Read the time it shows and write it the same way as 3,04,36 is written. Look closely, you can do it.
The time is 6,33,50
